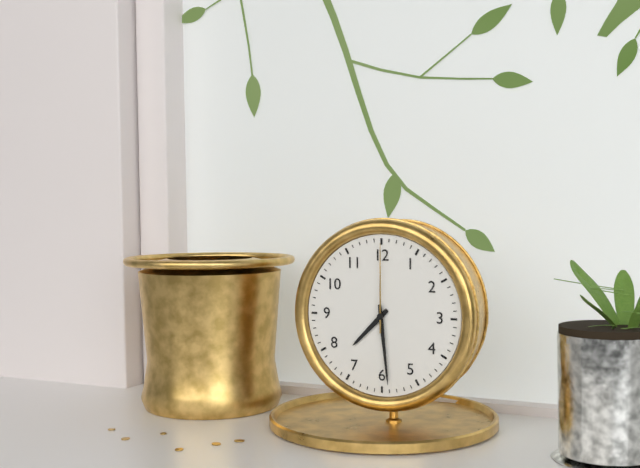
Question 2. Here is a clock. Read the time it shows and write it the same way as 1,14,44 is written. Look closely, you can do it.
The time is 7,29,00
